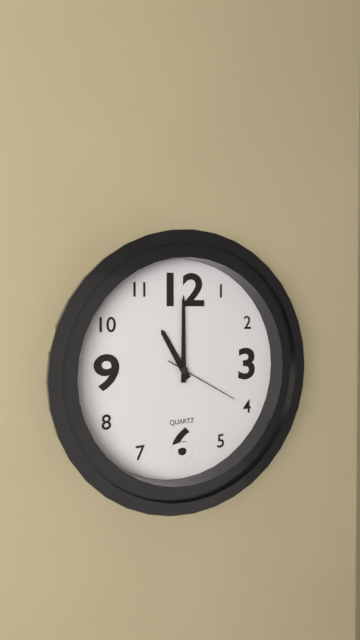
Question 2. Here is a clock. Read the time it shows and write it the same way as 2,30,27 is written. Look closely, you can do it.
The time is 11,00,20
